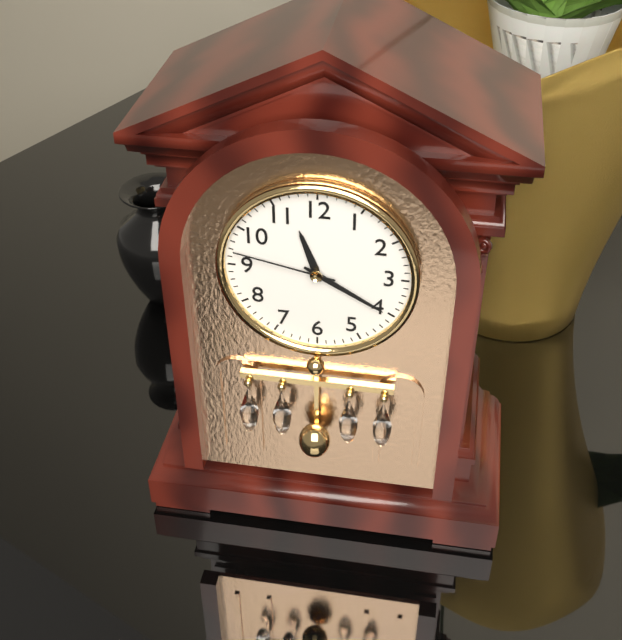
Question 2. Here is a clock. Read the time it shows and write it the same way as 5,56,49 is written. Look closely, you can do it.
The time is 11,20,47
